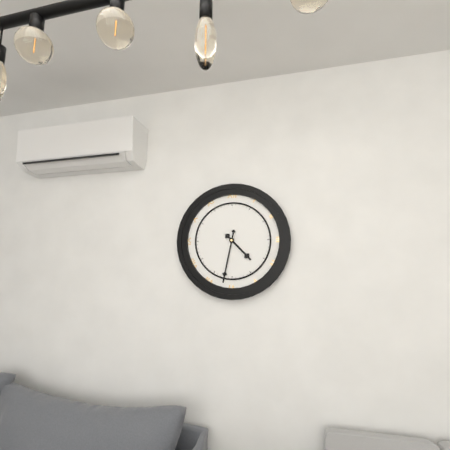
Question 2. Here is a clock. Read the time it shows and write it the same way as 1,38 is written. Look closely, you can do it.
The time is 4,32
